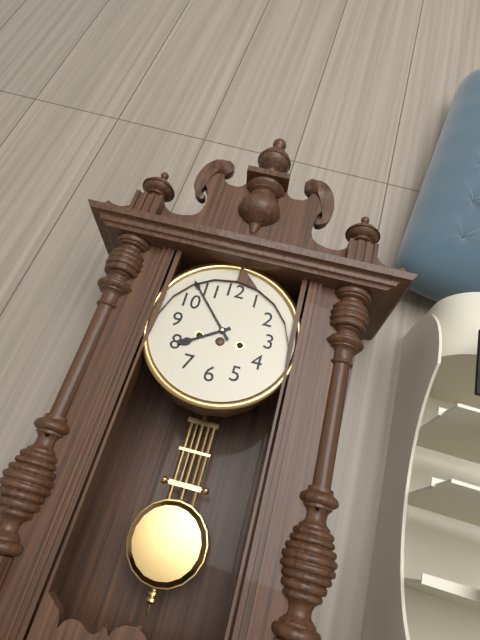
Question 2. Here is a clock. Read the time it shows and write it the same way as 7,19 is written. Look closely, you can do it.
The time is 7,53
